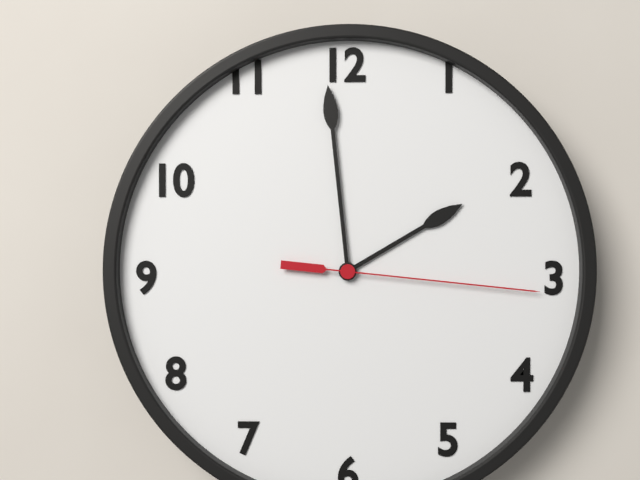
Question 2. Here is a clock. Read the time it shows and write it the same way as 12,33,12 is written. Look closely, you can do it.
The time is 1,59,16
